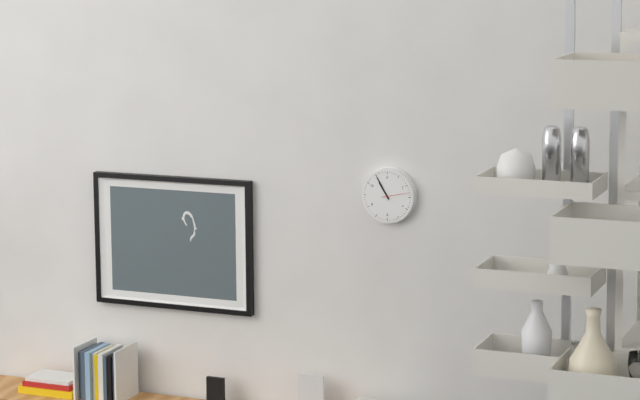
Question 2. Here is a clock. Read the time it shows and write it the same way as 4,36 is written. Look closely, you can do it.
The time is 10,55
